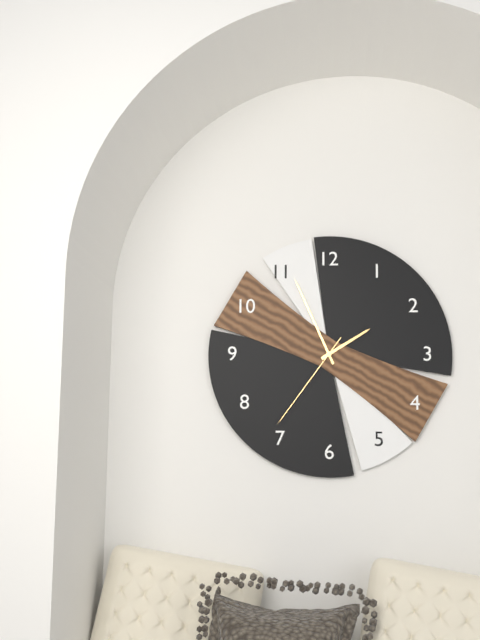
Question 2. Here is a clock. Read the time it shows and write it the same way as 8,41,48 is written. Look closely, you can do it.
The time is 1,56,36
